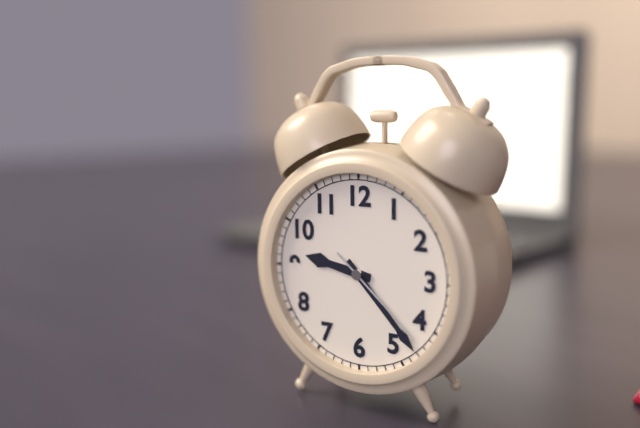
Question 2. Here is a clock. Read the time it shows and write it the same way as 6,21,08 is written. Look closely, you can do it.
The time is 9,23,22
